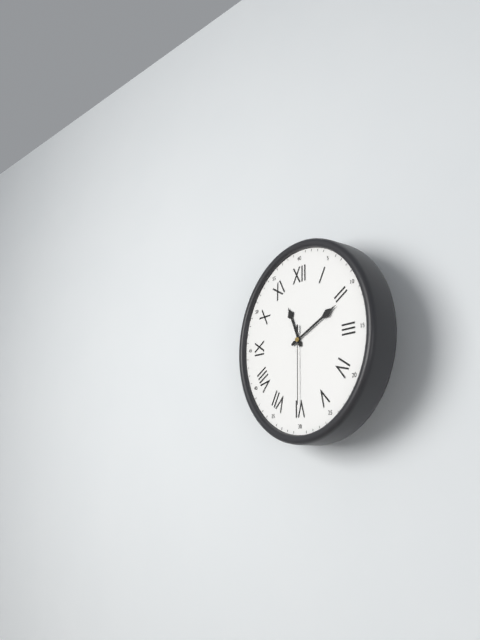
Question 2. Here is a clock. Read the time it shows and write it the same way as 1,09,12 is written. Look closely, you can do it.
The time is 11,11,30
